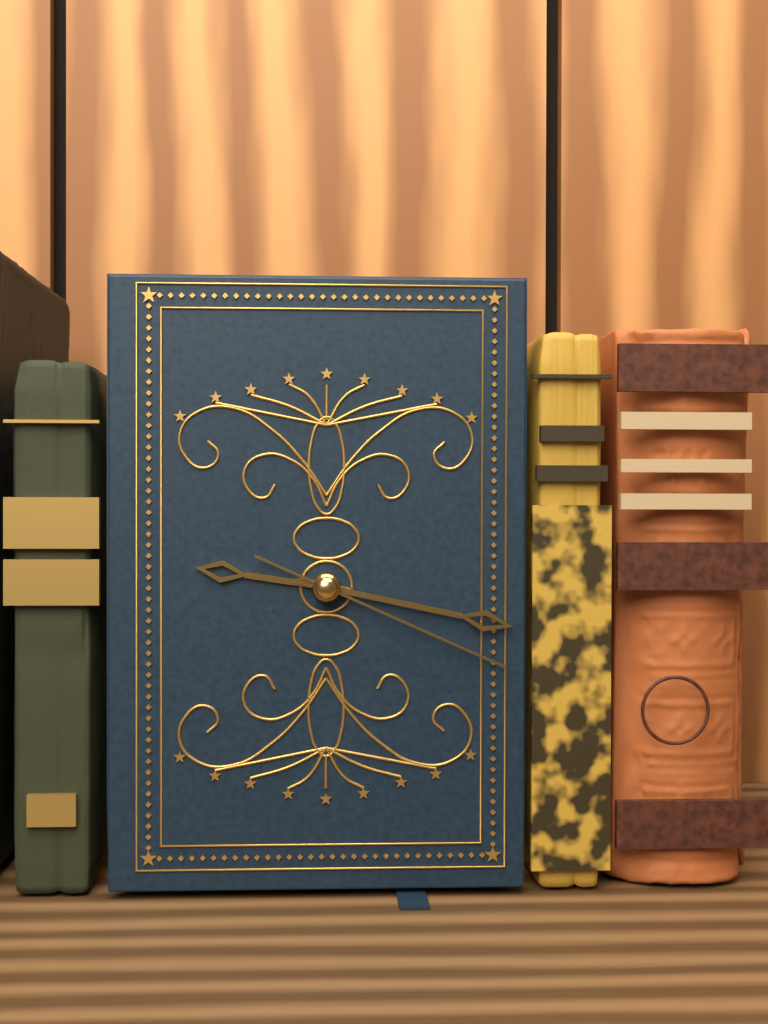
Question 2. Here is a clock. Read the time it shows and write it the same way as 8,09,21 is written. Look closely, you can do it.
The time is 9,17,19
